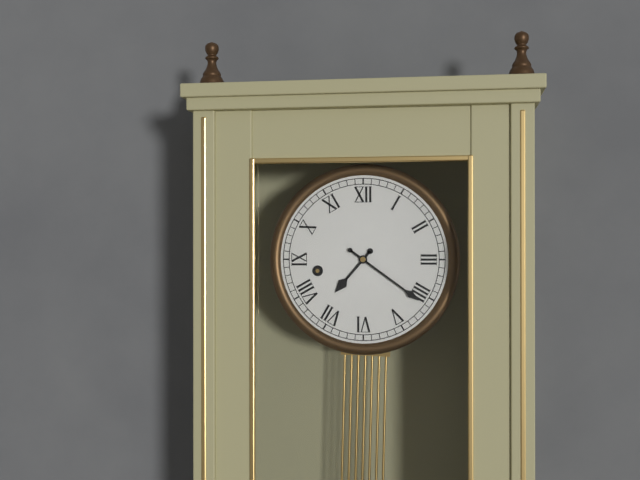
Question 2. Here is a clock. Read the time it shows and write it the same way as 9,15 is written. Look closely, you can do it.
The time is 7,21
